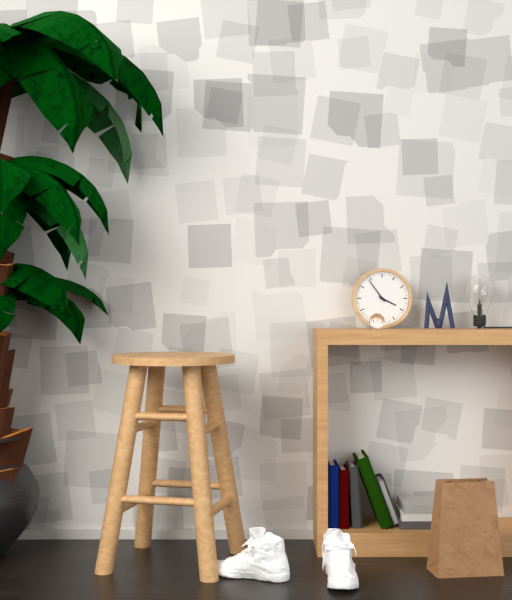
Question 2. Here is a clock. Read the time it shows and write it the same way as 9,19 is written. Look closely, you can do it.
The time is 3,54
